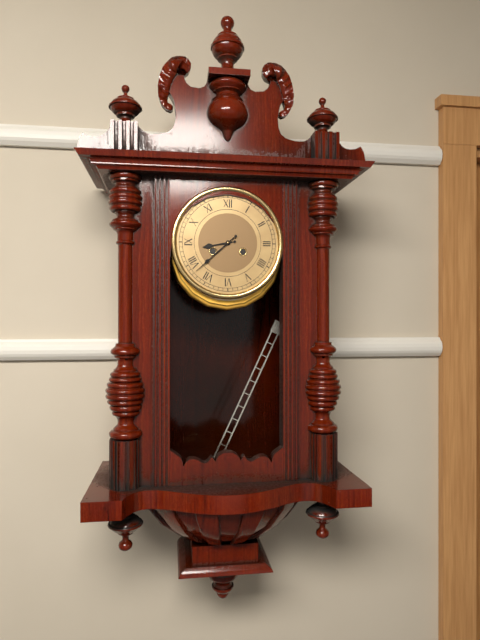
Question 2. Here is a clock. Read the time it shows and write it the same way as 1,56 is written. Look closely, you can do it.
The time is 8,38
